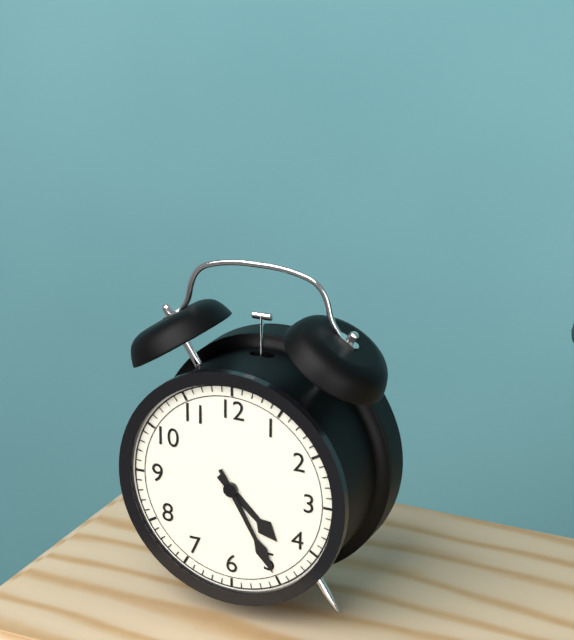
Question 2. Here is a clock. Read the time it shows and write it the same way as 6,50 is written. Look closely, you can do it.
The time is 4,25
